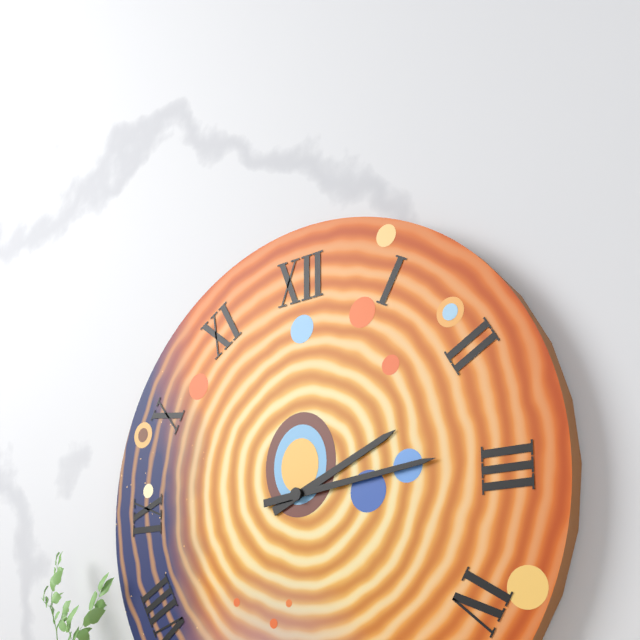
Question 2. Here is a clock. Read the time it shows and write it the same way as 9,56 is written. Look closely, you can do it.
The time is 2,14
